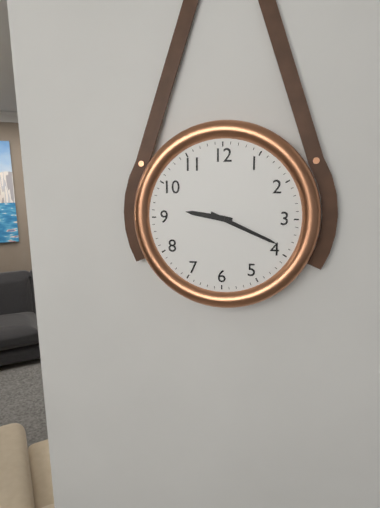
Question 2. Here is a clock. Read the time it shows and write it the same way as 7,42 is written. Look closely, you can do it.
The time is 9,19
